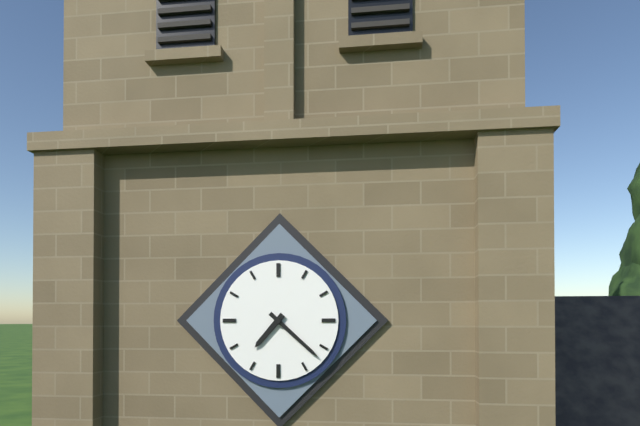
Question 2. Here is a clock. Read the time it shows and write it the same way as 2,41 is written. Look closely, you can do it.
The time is 7,22
